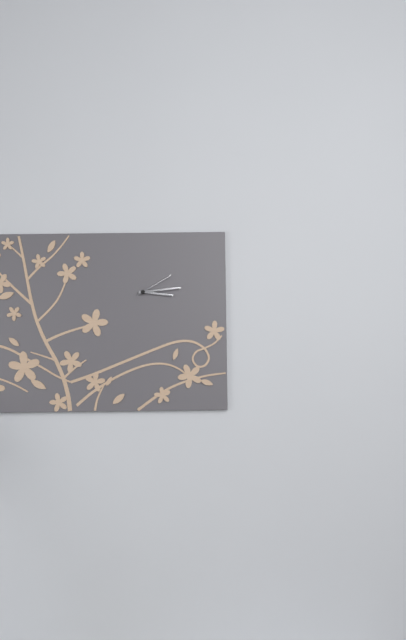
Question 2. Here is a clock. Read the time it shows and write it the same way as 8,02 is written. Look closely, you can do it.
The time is 3,14
